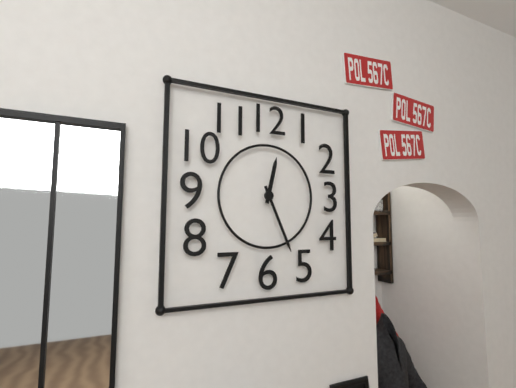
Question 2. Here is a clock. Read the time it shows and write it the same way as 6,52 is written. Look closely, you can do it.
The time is 12,26
